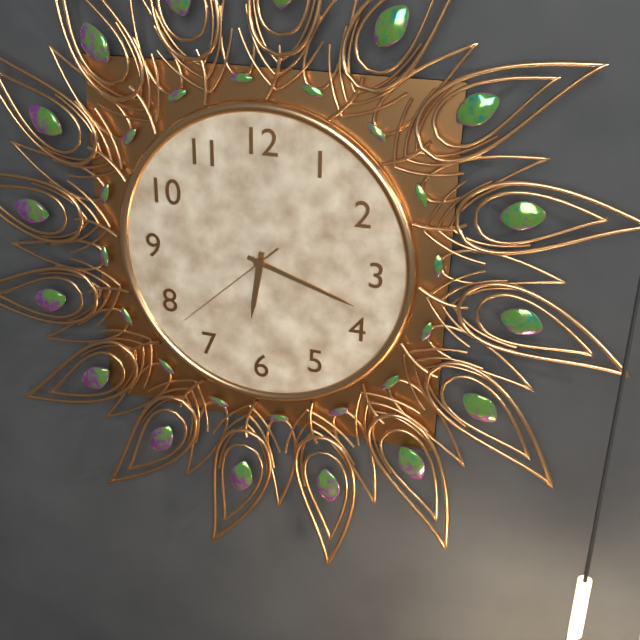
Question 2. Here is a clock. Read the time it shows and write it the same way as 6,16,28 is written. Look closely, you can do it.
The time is 6,18,38
